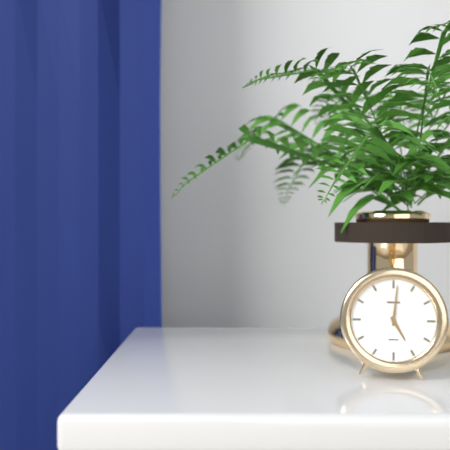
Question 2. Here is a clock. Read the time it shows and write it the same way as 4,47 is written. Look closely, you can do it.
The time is 5,01
